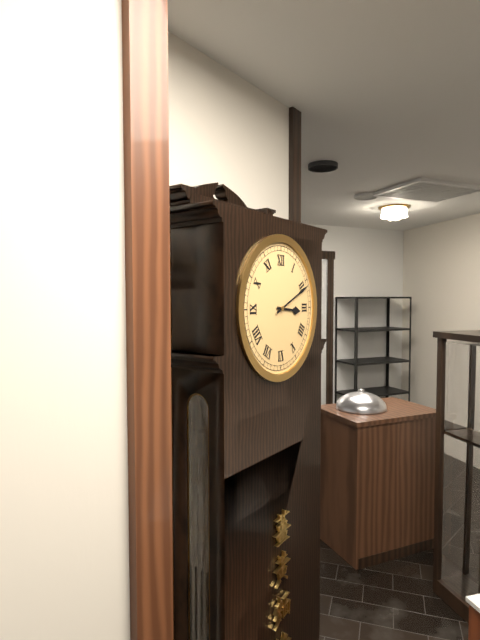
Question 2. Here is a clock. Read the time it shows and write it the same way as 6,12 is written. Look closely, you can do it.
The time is 3,11
